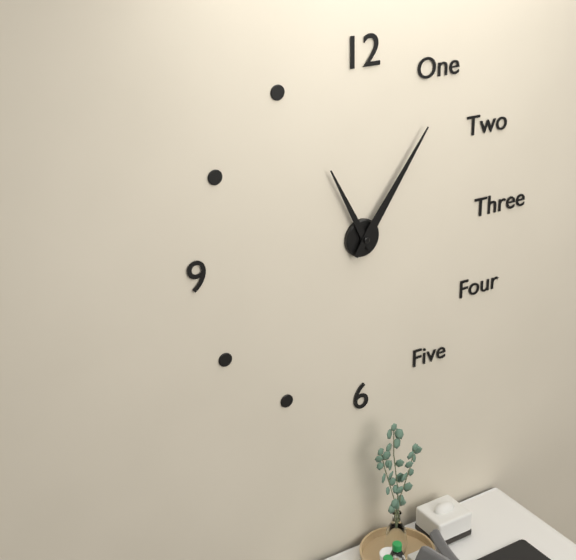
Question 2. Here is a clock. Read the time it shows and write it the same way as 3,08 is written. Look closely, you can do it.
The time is 11,06
